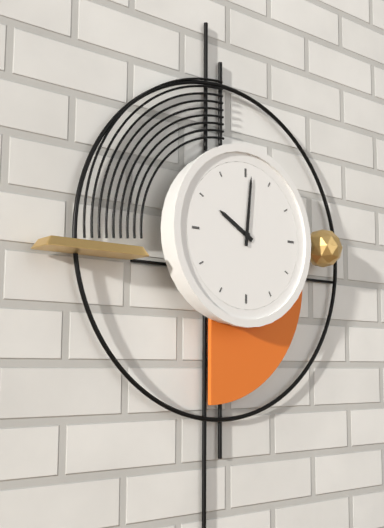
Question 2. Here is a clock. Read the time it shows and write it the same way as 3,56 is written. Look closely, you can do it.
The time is 10,01
